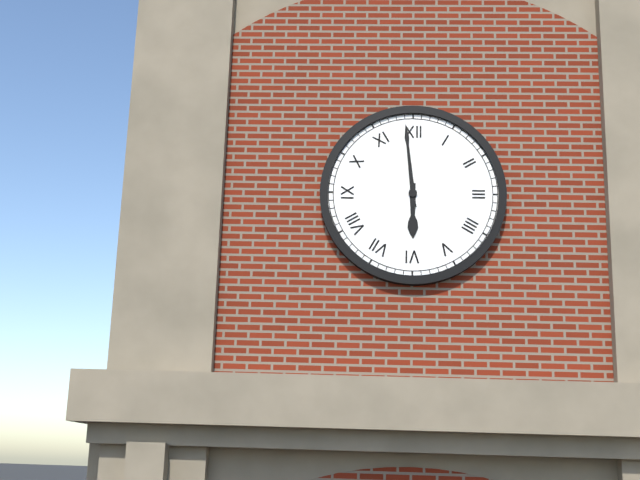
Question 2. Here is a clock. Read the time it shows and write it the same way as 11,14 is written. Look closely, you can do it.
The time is 5,59
